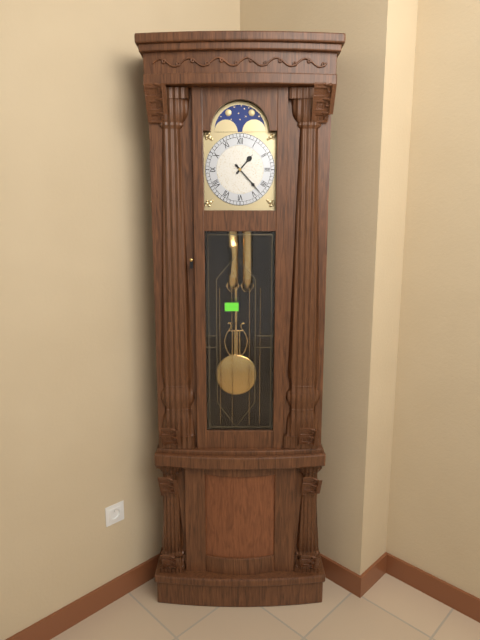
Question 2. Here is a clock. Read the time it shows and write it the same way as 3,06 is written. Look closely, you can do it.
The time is 1,23
